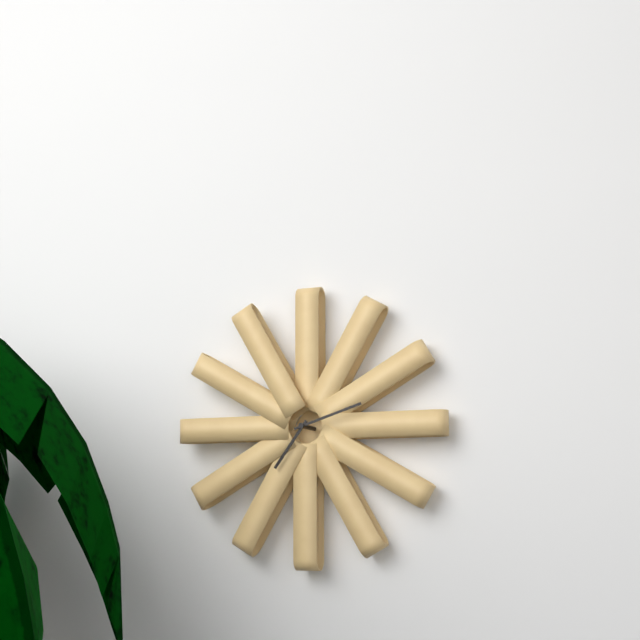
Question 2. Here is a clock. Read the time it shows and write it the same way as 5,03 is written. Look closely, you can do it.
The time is 7,12
